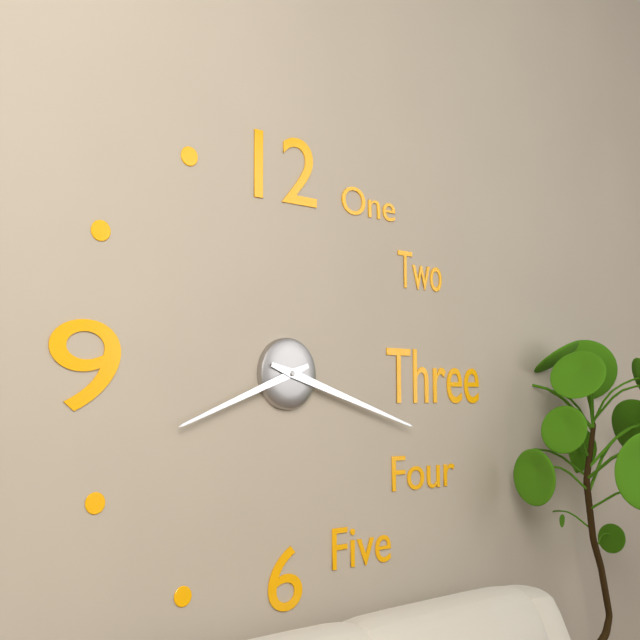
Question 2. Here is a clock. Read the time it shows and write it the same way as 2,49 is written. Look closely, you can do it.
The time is 8,18
